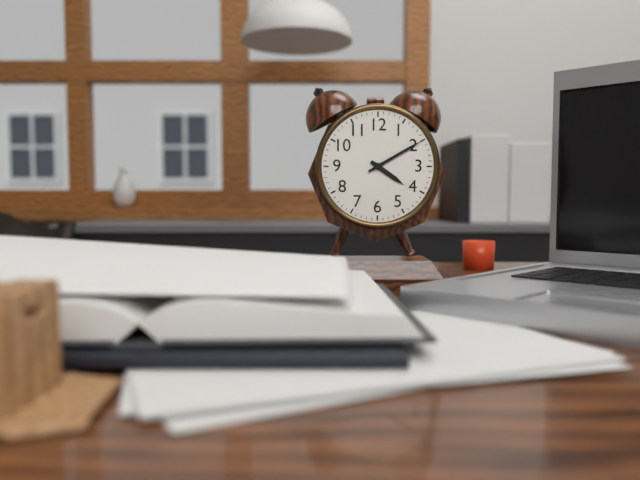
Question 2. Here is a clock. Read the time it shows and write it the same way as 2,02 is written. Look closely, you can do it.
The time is 4,10
